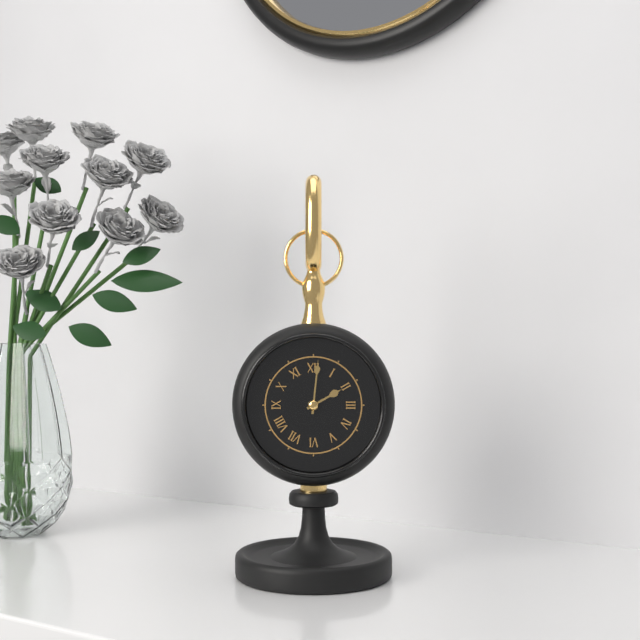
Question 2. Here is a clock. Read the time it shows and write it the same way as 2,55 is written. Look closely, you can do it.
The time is 2,01
